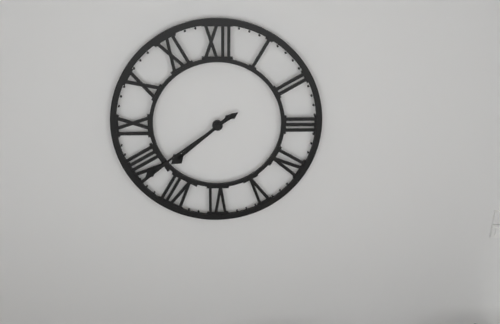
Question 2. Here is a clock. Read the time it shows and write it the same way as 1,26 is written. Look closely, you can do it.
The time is 7,39
